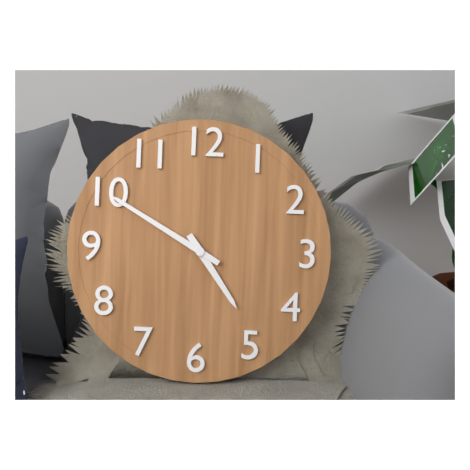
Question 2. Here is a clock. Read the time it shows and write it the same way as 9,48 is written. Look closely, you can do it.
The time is 4,50
